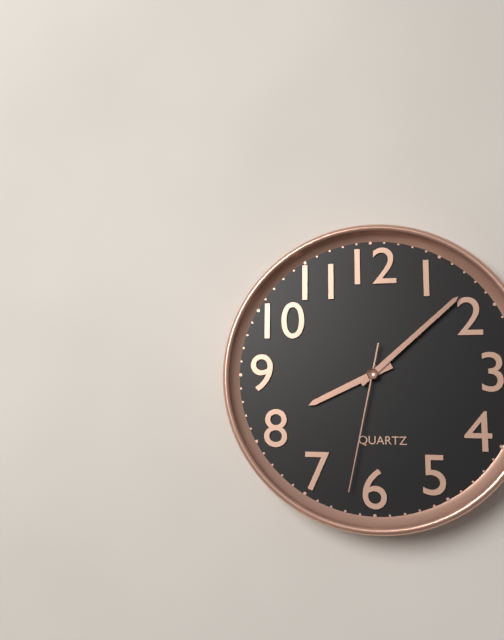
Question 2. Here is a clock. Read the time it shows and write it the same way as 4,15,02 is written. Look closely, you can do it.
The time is 8,08,32
